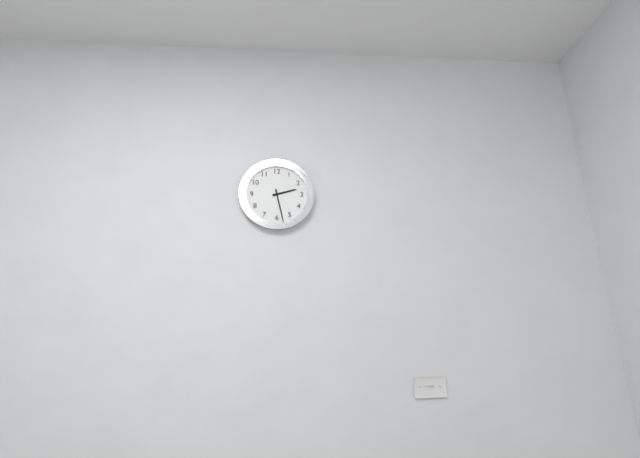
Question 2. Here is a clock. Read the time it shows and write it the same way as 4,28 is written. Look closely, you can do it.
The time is 2,28
